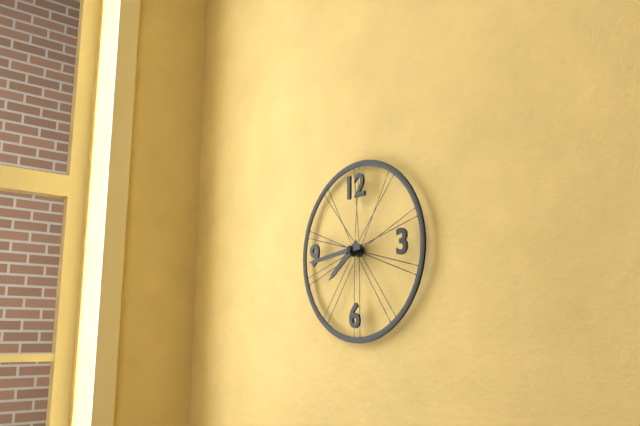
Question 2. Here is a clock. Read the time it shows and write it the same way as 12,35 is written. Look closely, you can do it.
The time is 7,44
